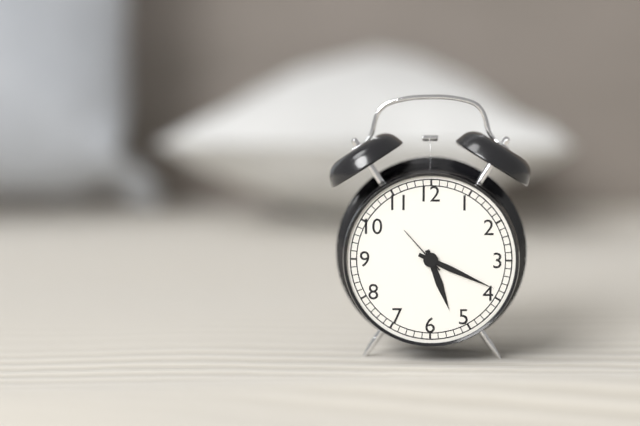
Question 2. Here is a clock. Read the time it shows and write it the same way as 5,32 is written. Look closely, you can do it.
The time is 5,19
